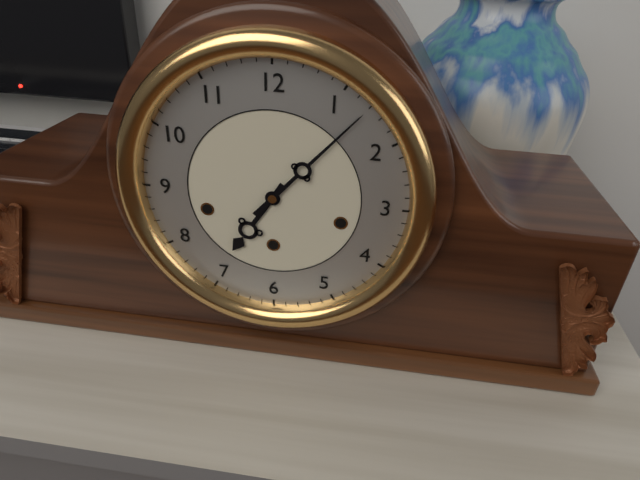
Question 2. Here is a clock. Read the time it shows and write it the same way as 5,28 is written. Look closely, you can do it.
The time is 7,07
